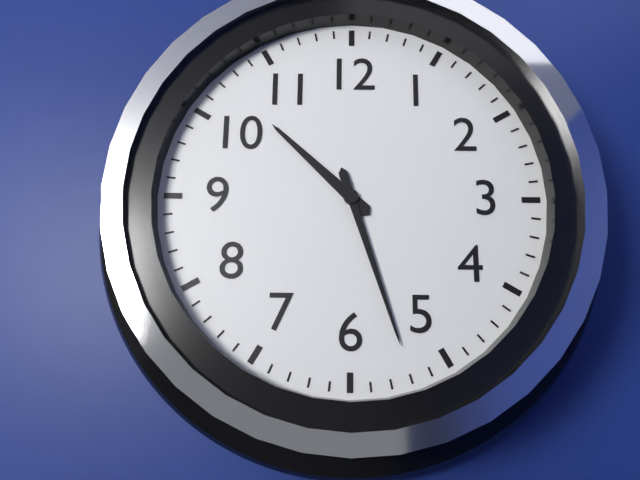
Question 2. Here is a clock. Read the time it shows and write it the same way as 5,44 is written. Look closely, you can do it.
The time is 10,27
